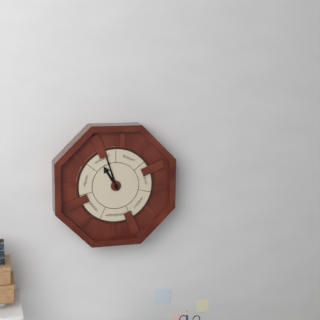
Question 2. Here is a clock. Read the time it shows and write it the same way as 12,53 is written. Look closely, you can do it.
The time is 10,57
